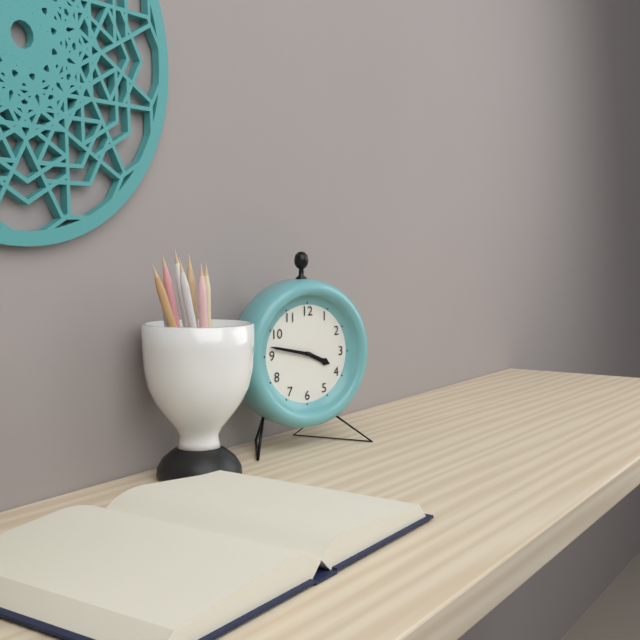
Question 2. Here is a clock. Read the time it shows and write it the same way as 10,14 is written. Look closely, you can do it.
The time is 3,47
